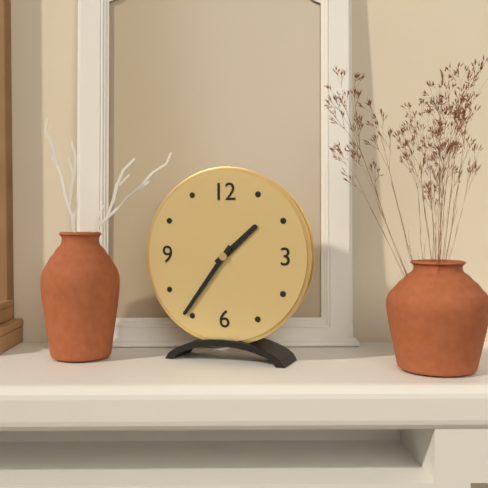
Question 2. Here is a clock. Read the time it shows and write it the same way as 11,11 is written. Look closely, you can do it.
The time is 1,36
